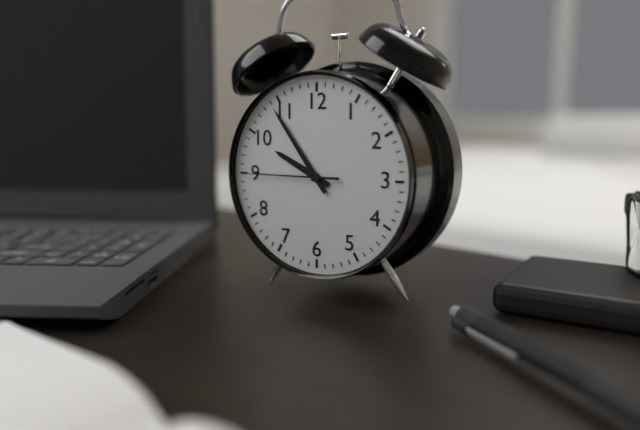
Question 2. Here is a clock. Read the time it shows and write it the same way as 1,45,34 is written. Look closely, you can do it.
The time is 9,54,45
